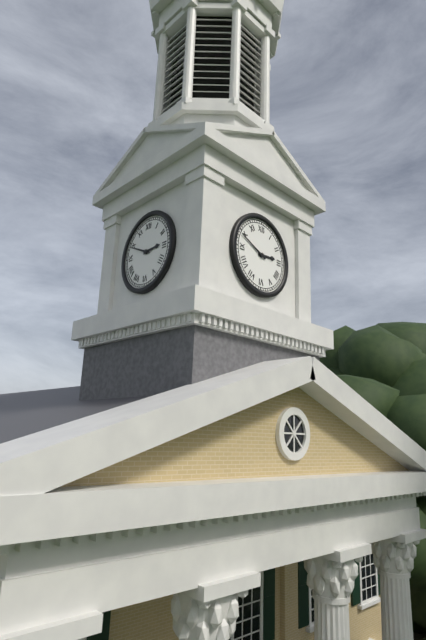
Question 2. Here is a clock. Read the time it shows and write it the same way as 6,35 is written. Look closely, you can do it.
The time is 2,49
